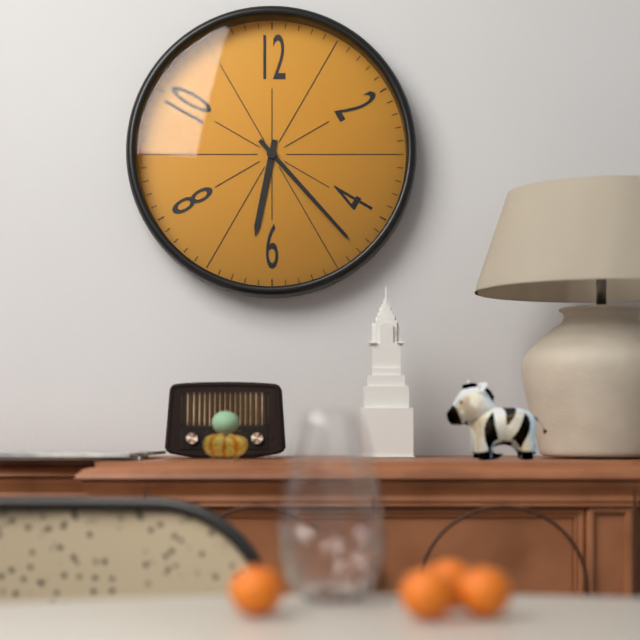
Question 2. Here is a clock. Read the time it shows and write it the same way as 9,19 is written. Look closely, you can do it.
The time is 6,23
